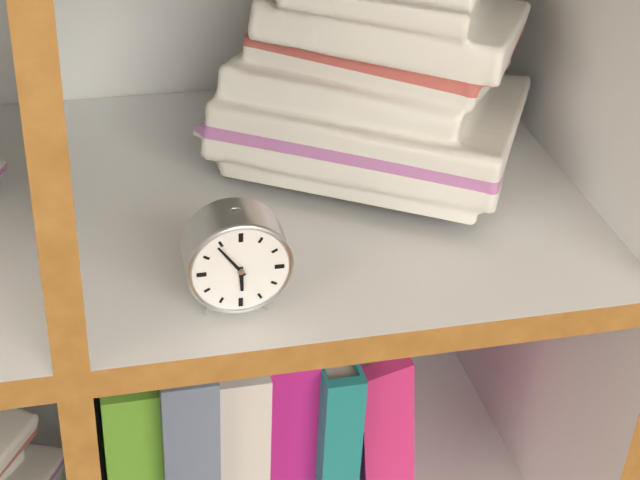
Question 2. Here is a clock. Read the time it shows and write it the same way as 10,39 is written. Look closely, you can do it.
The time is 5,54
